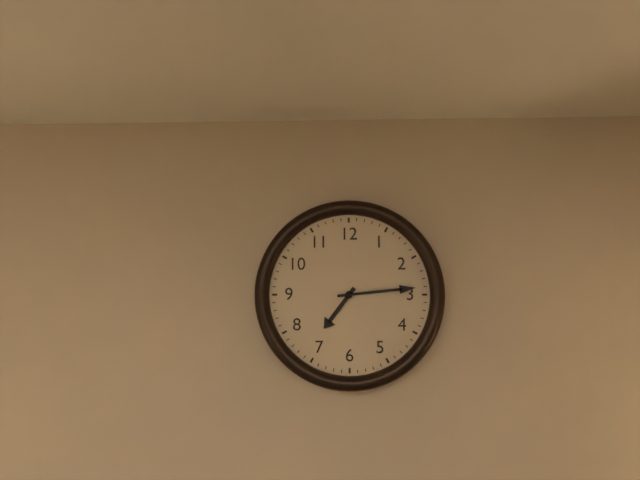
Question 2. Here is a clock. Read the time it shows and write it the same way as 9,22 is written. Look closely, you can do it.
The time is 7,14
